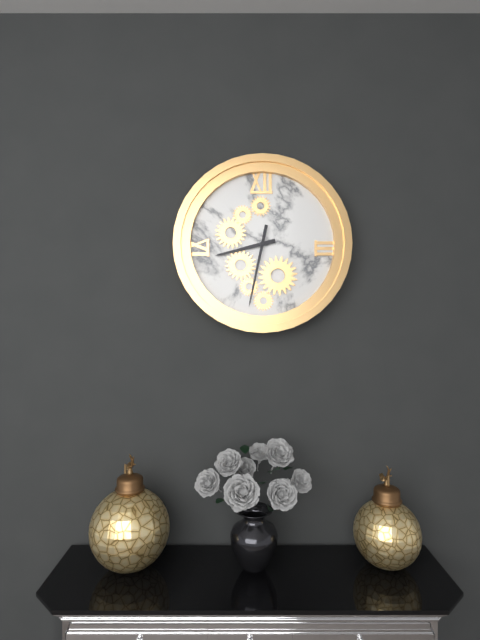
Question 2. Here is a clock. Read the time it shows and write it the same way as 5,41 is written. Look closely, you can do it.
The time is 8,32
